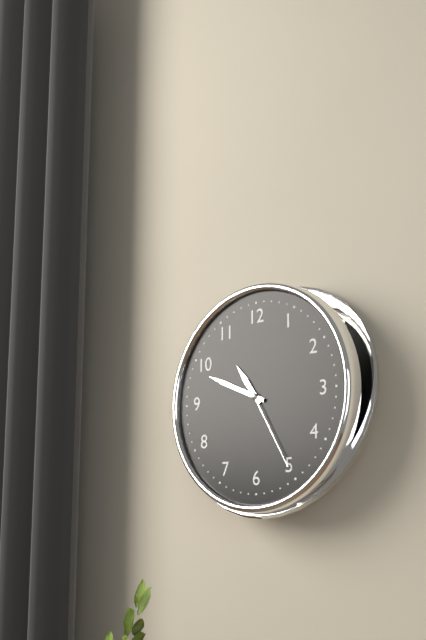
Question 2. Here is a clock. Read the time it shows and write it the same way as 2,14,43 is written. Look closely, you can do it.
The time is 10,49,25
